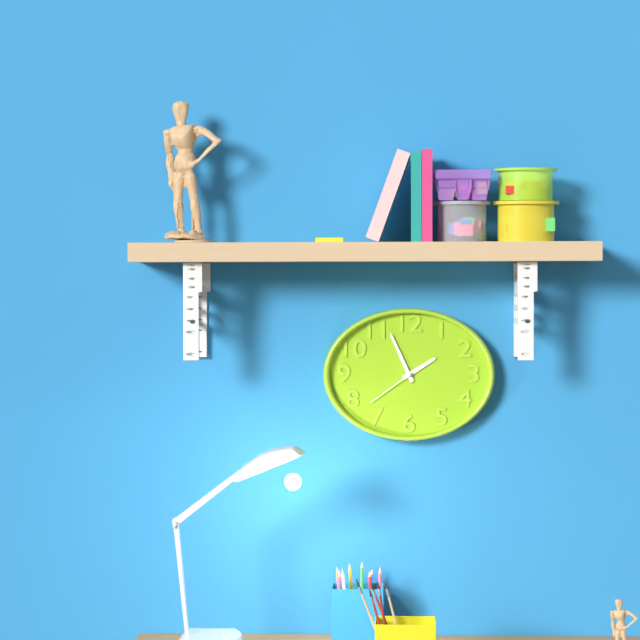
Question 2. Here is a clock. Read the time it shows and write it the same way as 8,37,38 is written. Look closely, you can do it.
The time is 1,56,39
